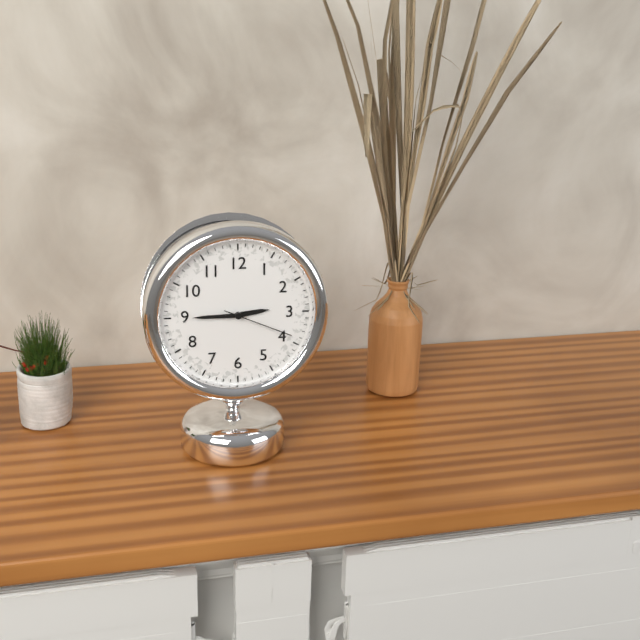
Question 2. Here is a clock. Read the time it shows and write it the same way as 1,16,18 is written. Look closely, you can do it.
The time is 2,45,19
